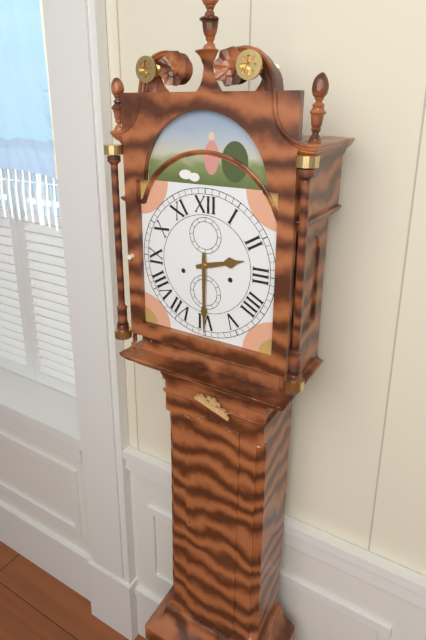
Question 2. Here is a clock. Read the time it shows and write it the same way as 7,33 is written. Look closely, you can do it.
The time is 2,30
